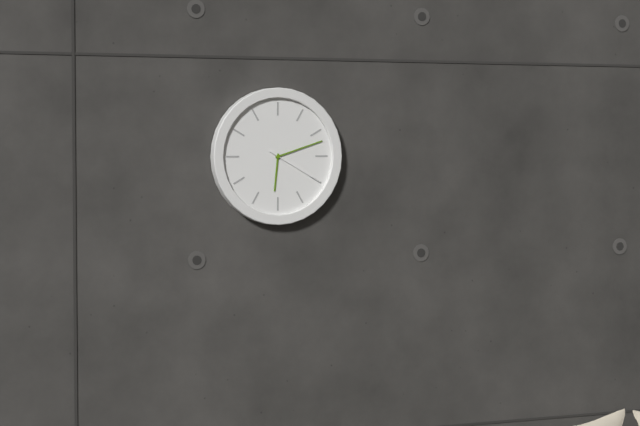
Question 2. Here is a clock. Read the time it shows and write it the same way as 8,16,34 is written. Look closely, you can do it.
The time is 6,12,20
